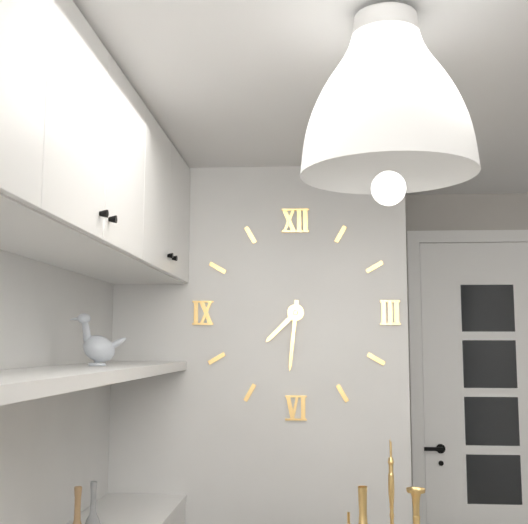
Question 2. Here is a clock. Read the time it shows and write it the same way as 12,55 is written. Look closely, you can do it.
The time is 7,31
